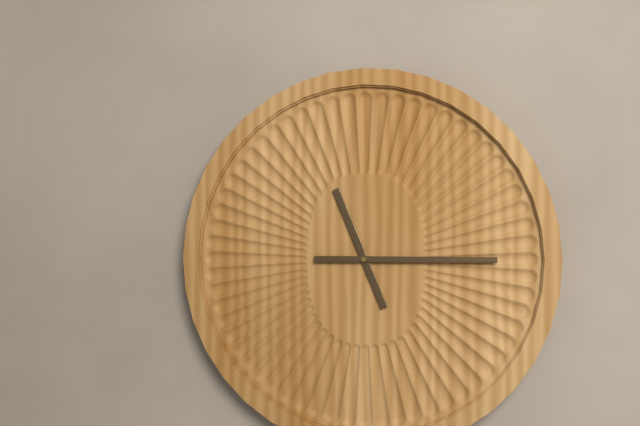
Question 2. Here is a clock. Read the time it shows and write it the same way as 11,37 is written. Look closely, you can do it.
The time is 11,15
